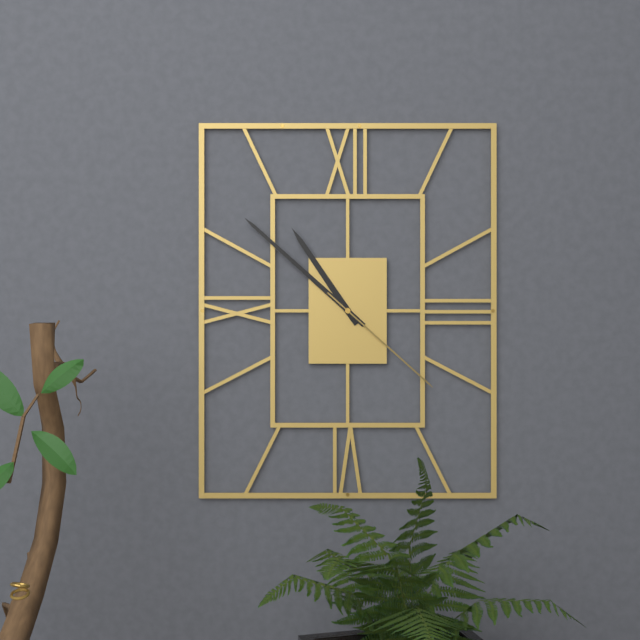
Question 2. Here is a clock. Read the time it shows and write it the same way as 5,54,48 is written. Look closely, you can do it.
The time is 10,52,22
